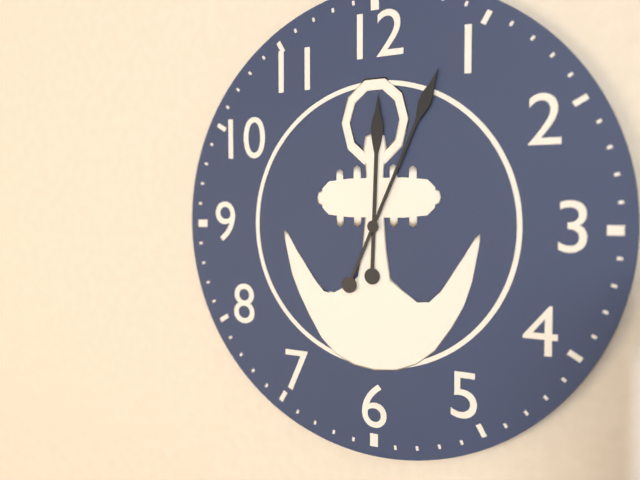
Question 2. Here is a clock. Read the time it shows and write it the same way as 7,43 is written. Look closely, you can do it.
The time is 12,04
